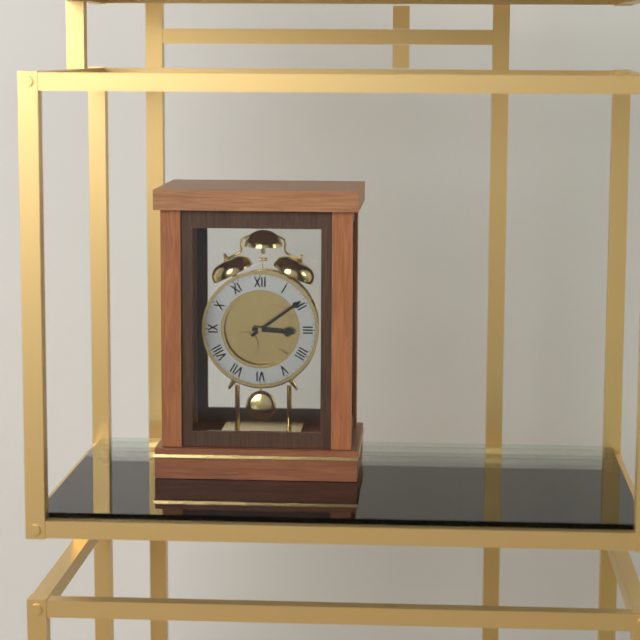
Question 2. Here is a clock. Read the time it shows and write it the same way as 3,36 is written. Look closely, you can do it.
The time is 3,09
